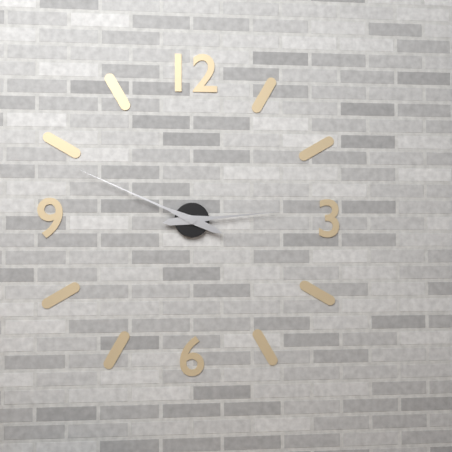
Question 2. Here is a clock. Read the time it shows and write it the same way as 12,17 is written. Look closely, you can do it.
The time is 2,49
